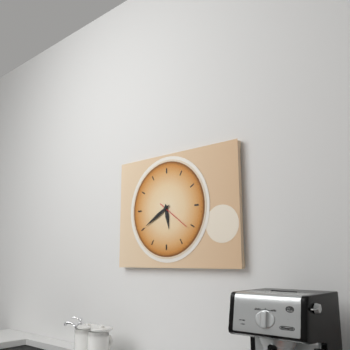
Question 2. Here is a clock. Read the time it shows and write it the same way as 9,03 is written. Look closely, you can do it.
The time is 5,40
